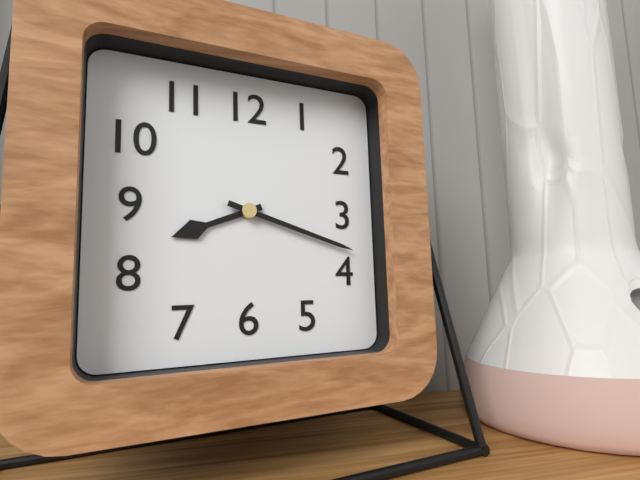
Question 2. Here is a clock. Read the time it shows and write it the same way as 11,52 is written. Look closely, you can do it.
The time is 8,18
